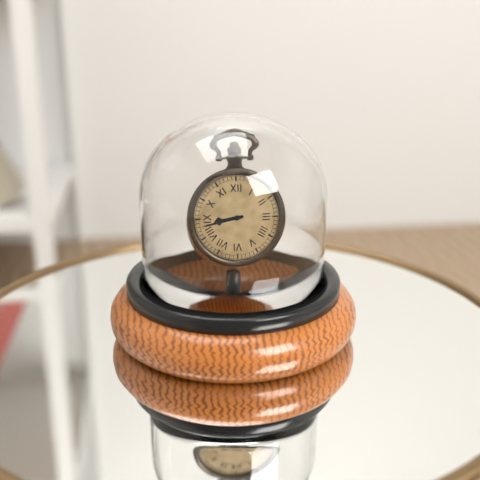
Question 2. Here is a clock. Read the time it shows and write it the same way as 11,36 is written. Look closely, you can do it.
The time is 8,43
